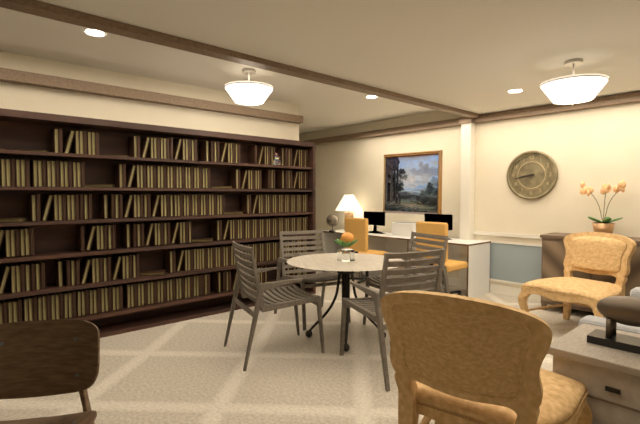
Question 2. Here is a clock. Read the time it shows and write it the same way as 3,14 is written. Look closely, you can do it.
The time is 8,43
